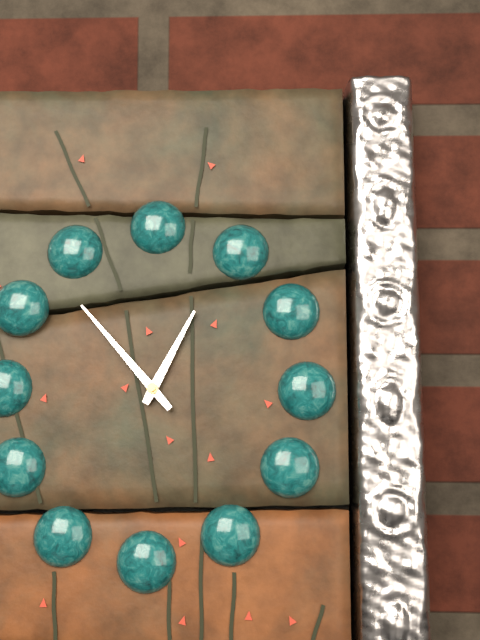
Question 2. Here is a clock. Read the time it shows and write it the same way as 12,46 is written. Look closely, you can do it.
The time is 12,53
